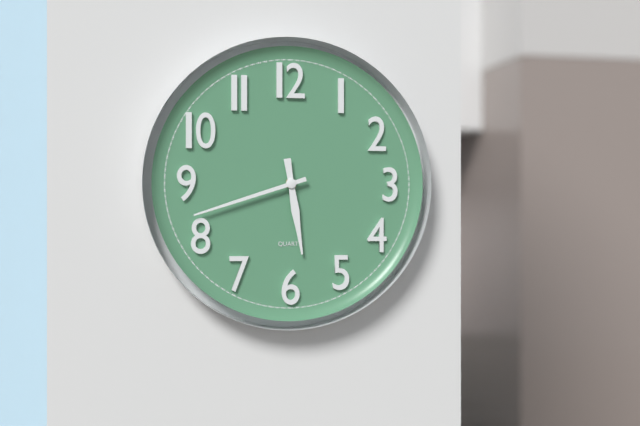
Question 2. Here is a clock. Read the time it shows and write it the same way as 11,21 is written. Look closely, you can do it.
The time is 5,42
